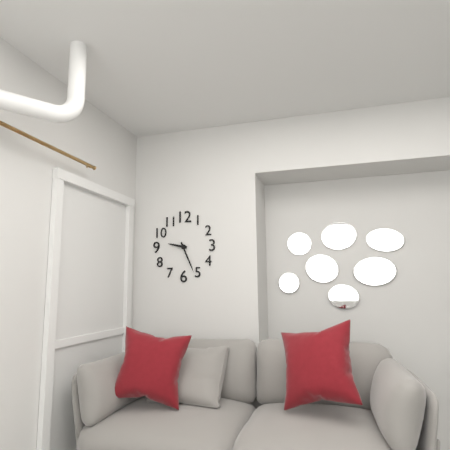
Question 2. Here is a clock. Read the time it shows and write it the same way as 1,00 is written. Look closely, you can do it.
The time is 9,26
